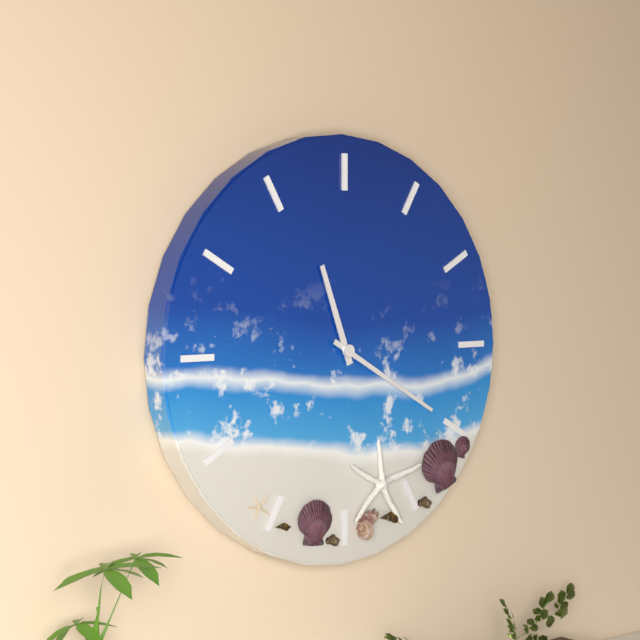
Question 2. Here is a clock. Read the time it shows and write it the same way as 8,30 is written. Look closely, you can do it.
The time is 11,20
